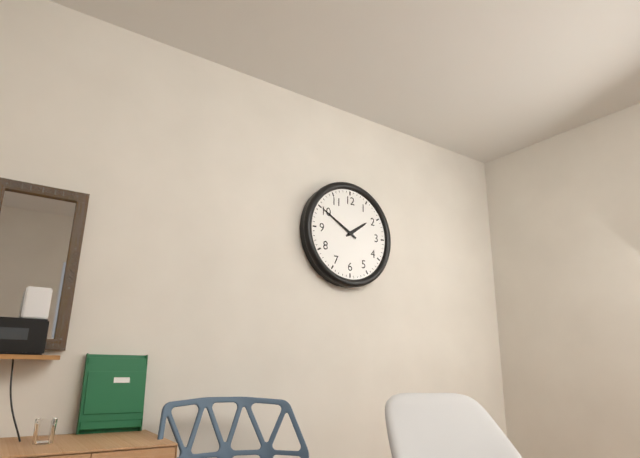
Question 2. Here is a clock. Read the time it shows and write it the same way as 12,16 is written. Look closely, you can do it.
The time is 1,50
